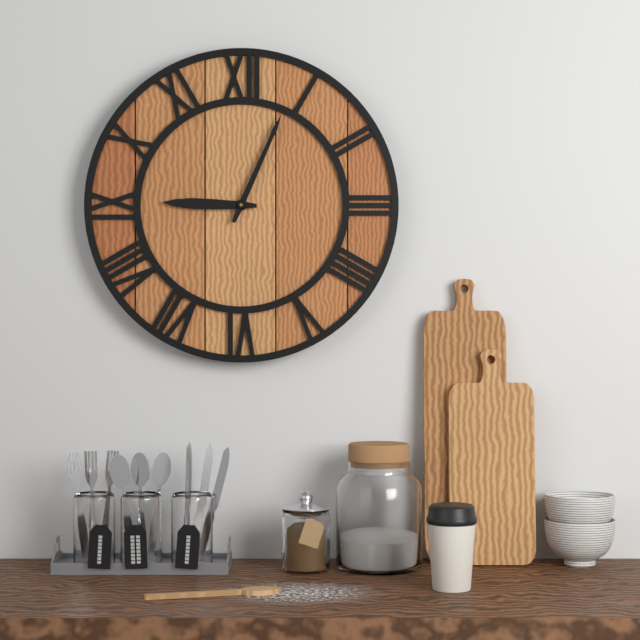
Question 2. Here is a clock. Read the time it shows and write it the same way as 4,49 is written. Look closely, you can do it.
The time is 9,04
